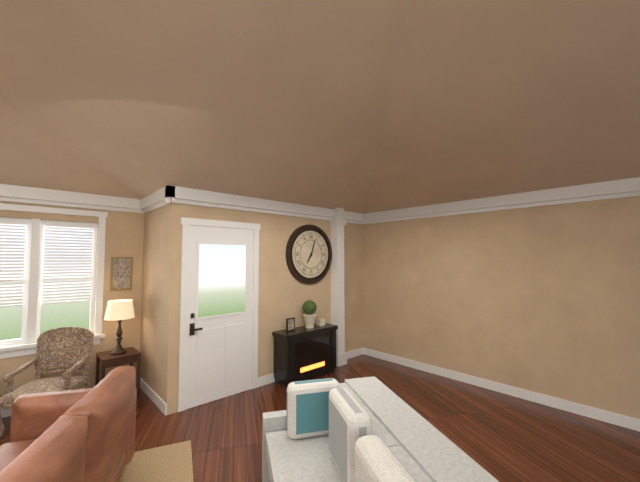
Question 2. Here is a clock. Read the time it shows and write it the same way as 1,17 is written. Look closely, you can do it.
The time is 7,03
